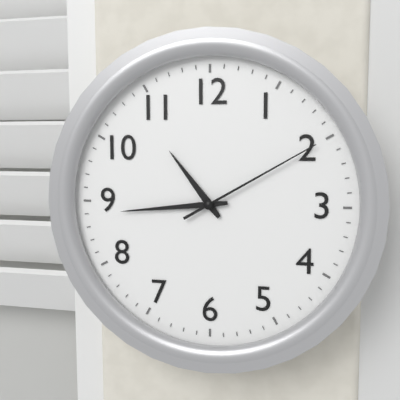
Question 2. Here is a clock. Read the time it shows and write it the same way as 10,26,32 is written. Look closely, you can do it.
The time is 10,44,10
